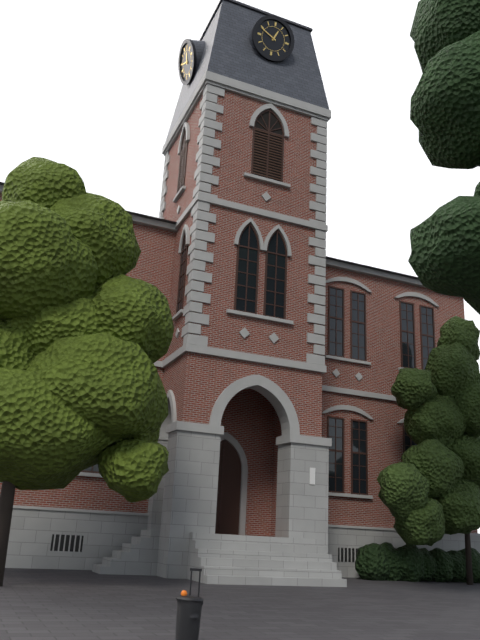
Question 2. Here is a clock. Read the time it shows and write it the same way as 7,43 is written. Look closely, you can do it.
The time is 12,49
